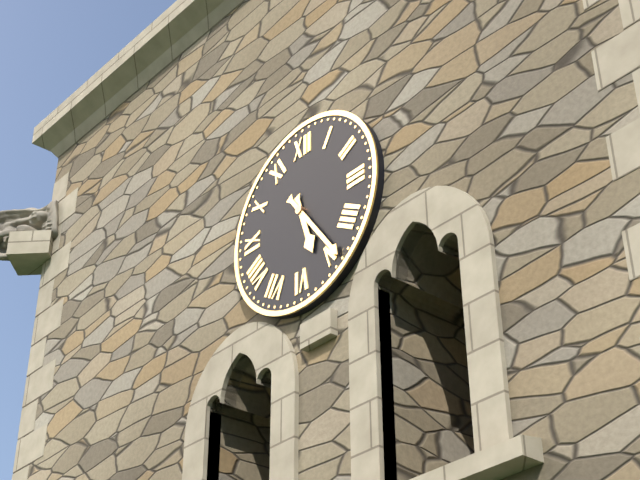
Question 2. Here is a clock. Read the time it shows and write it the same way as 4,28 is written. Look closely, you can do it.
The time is 5,24
